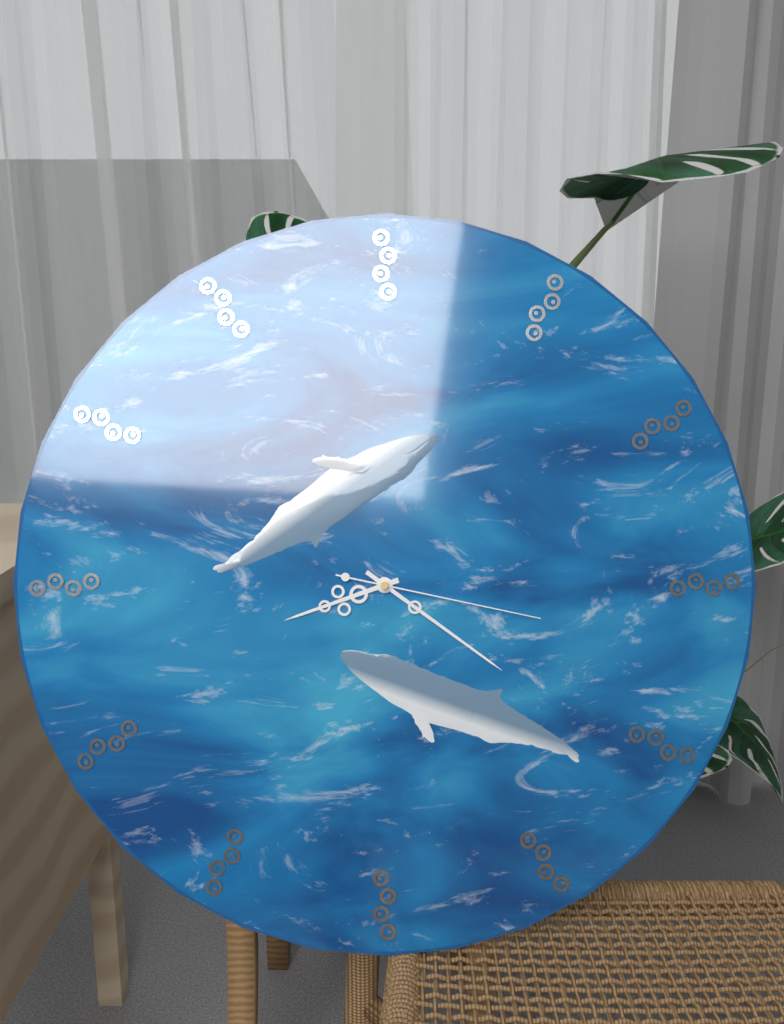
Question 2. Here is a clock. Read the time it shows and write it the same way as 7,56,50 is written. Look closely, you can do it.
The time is 8,21,17
